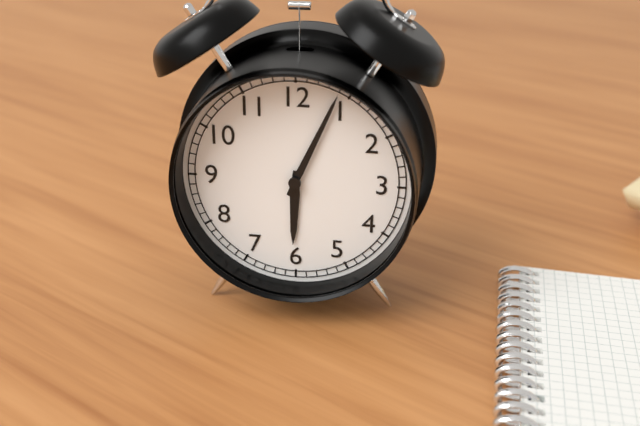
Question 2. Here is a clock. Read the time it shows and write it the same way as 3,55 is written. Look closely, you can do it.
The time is 6,04
